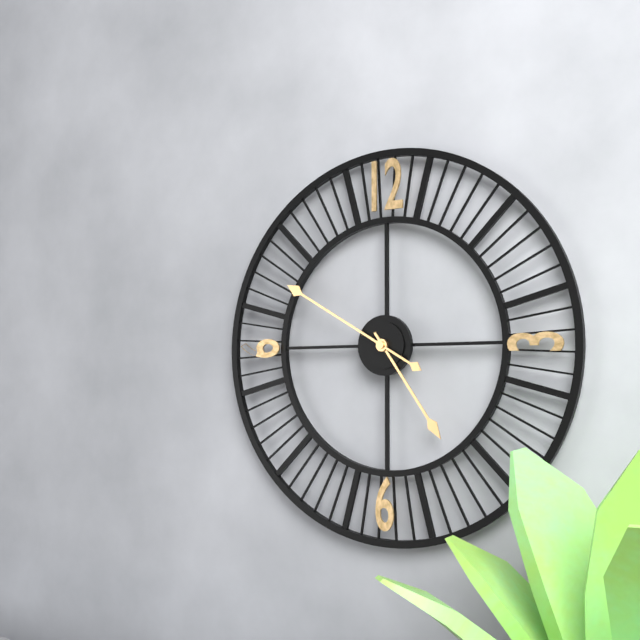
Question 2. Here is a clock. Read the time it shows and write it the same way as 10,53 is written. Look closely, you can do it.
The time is 4,50
